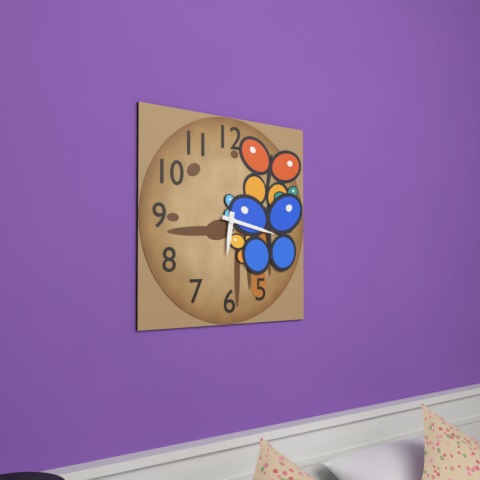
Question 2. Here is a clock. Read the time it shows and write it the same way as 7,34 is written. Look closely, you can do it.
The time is 6,17
